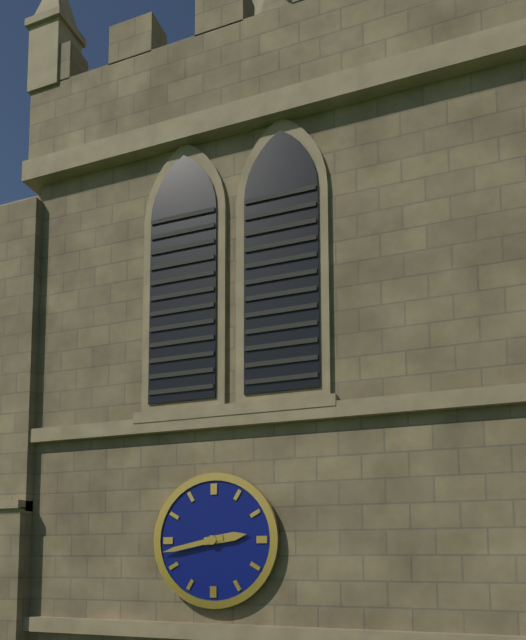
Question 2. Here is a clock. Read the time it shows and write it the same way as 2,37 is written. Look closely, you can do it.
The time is 2,43
